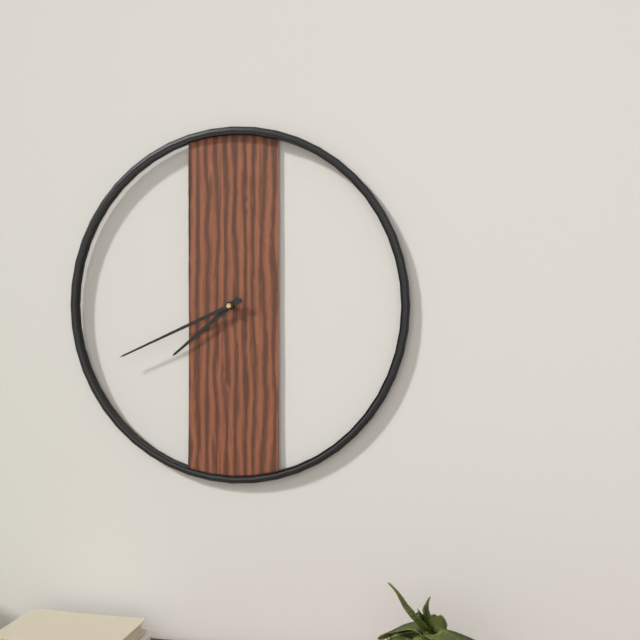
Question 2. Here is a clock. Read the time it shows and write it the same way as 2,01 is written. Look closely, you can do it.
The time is 7,41
